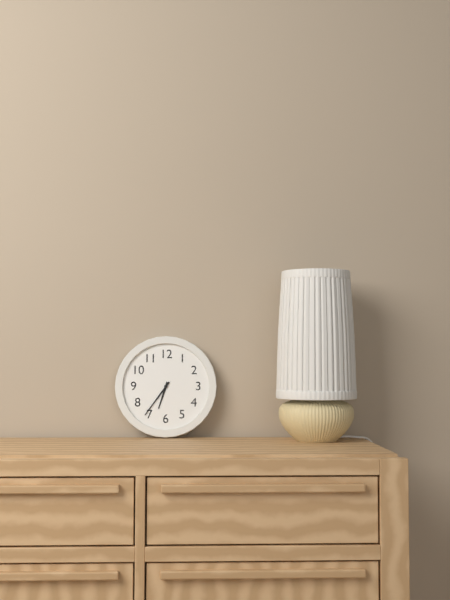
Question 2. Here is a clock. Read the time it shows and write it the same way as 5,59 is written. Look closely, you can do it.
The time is 6,36
